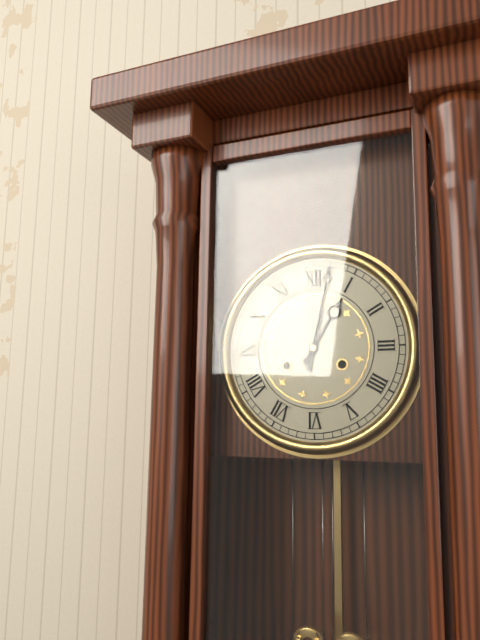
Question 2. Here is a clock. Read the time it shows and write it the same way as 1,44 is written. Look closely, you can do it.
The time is 1,02
